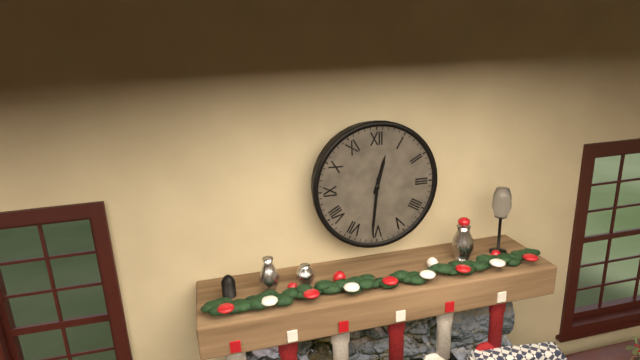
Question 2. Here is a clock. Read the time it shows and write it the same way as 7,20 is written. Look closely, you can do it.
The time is 12,31
